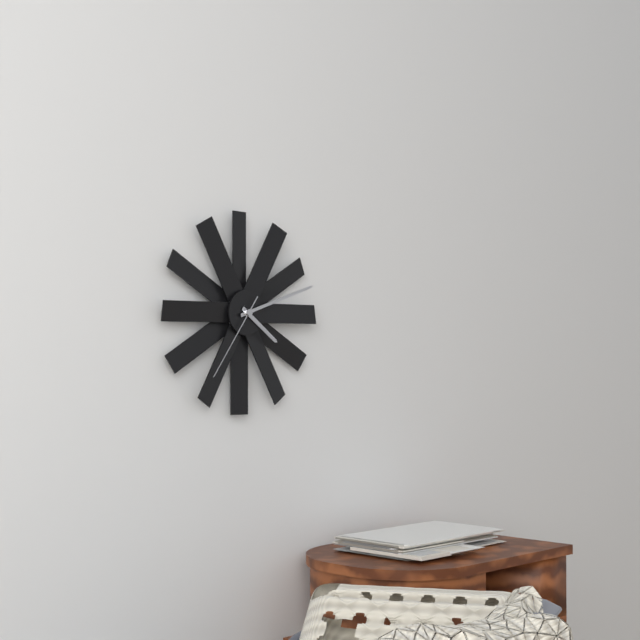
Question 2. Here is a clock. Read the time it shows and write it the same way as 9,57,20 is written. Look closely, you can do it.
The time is 4,12,36
